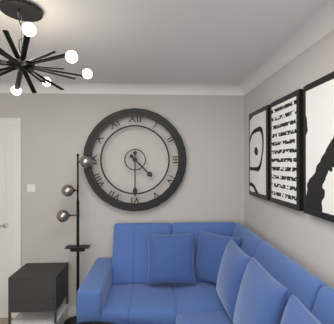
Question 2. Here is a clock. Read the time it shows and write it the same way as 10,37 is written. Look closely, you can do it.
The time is 4,30
